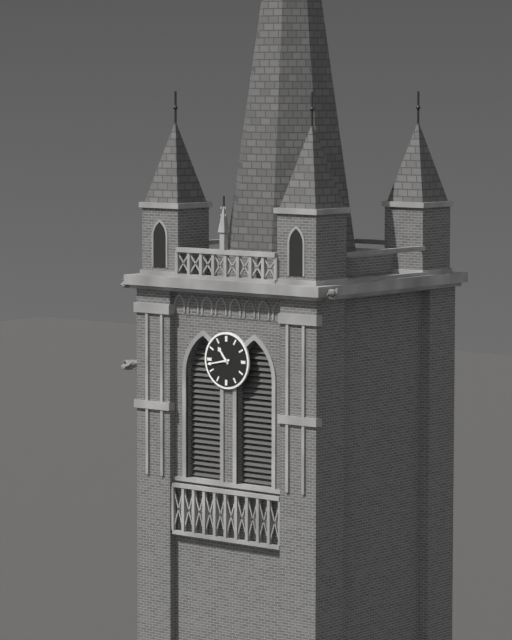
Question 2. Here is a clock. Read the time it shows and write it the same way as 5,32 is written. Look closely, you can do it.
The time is 10,43
